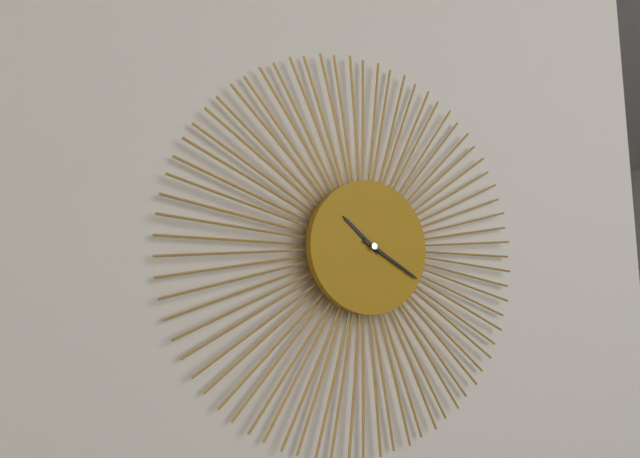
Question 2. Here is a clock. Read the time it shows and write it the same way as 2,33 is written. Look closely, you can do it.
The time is 10,20
